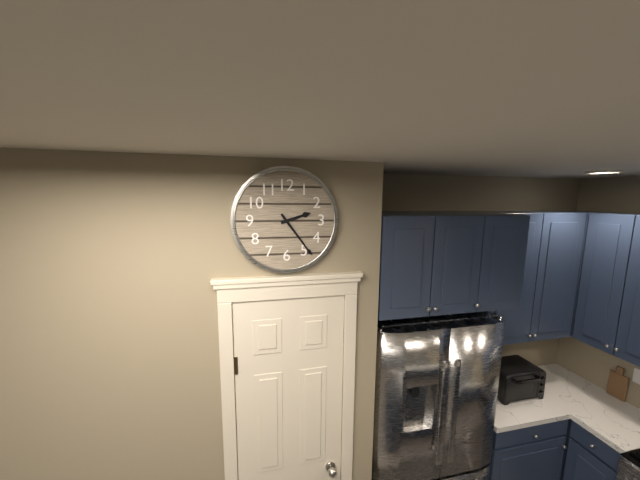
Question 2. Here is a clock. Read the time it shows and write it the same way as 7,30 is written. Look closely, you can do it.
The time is 2,24
